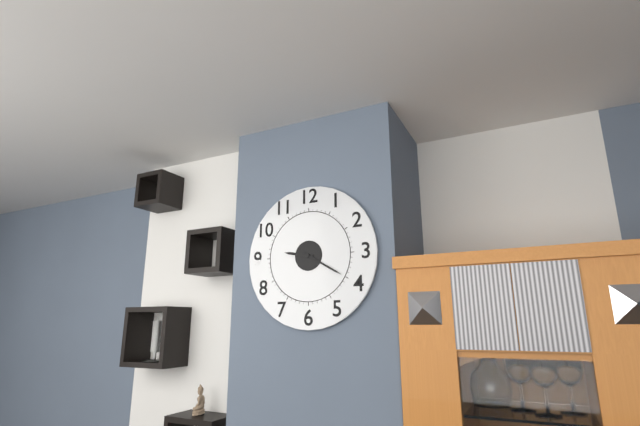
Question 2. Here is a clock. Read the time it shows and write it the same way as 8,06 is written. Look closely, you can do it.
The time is 9,20
